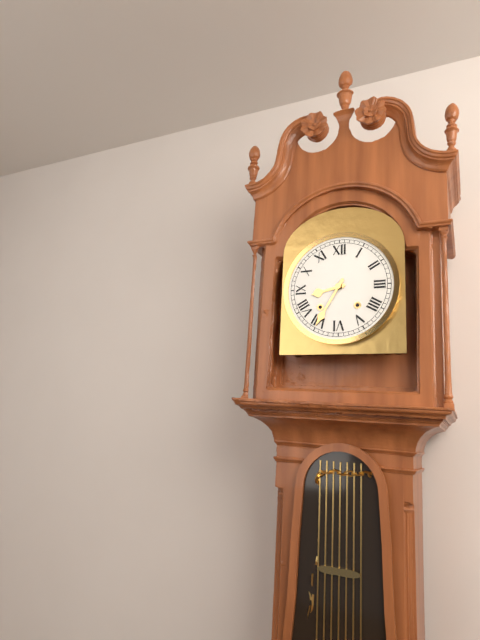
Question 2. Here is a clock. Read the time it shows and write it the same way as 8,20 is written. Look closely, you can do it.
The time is 8,35
